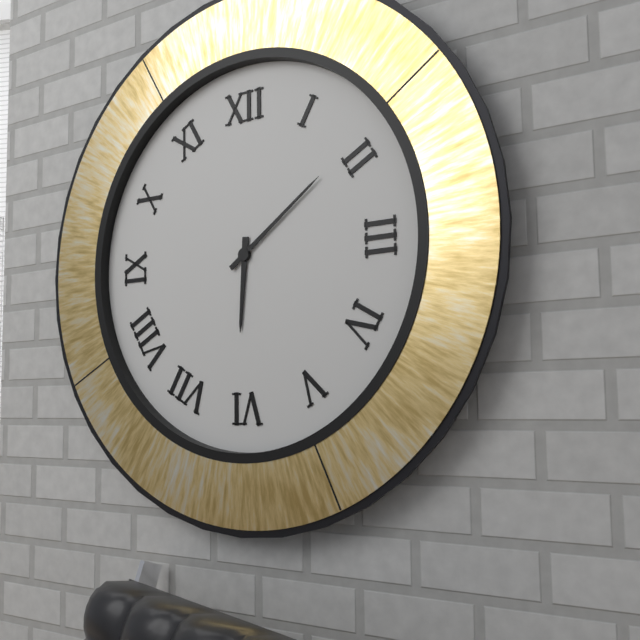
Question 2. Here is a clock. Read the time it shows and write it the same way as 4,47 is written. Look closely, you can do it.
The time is 6,09
